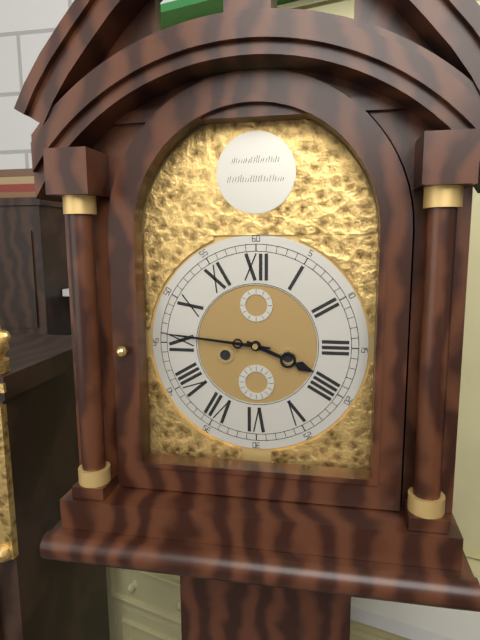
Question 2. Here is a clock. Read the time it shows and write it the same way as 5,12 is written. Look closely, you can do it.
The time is 3,46
